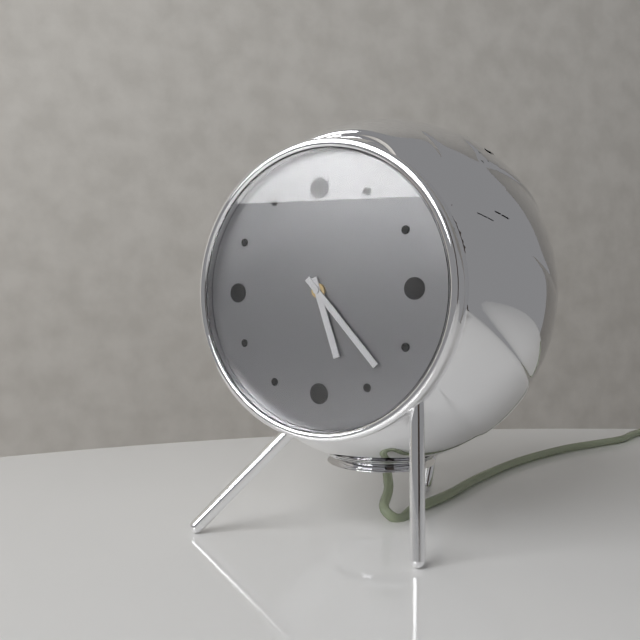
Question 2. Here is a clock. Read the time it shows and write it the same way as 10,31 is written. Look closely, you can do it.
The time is 5,23
